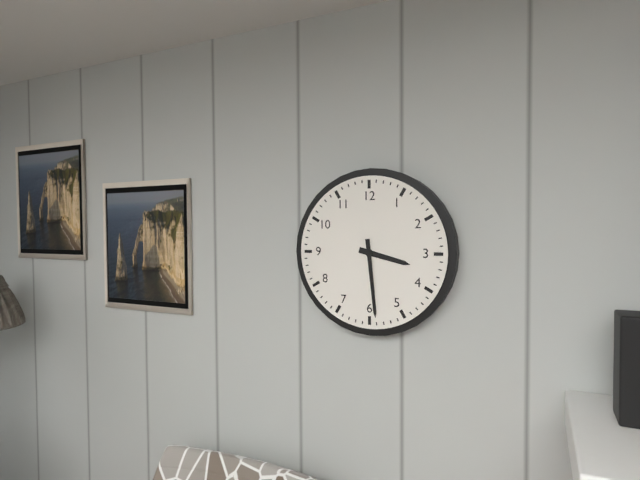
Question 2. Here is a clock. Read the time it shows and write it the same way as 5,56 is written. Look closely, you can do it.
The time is 3,29
